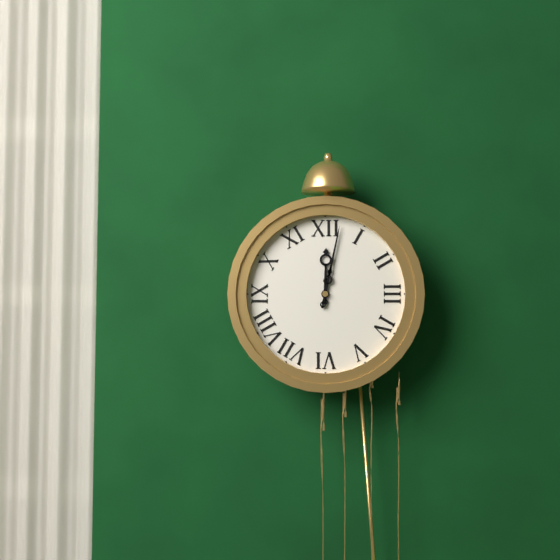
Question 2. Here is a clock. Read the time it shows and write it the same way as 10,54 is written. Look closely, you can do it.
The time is 12,02
